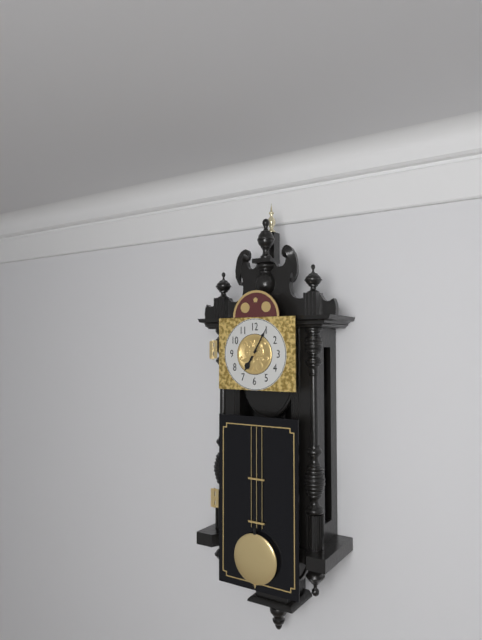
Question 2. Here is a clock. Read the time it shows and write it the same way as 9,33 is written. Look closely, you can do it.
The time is 7,05
